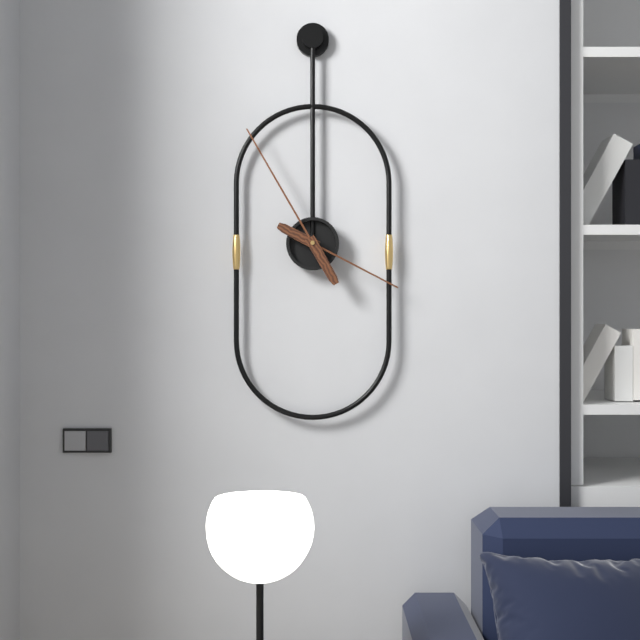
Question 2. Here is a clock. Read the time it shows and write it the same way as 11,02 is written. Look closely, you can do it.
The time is 3,55
